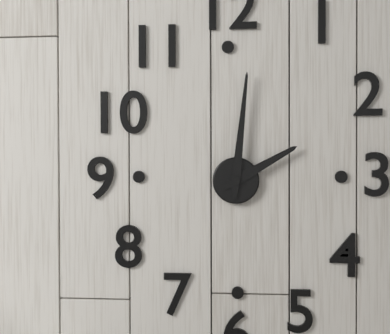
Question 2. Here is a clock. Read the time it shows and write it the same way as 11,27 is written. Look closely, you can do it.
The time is 2,01
